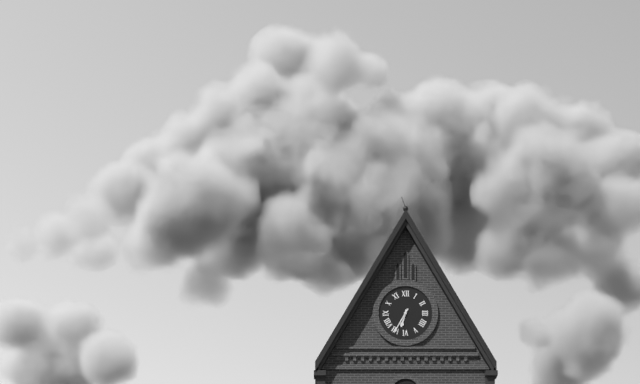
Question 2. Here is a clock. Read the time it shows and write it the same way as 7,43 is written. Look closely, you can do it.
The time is 6,35
